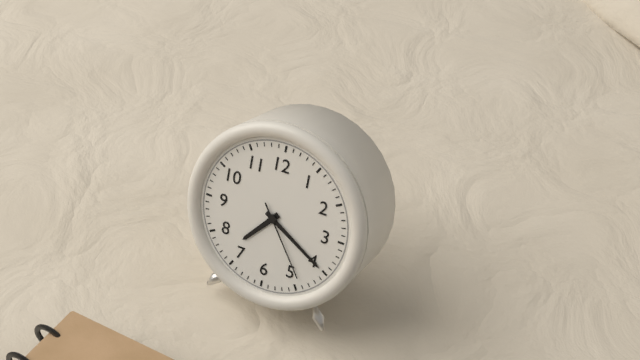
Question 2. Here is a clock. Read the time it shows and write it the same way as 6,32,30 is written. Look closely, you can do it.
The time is 7,20,24
